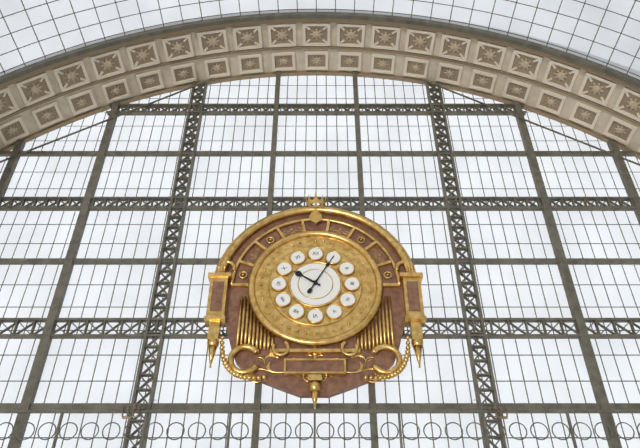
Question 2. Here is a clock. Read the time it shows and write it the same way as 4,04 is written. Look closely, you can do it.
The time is 10,05
